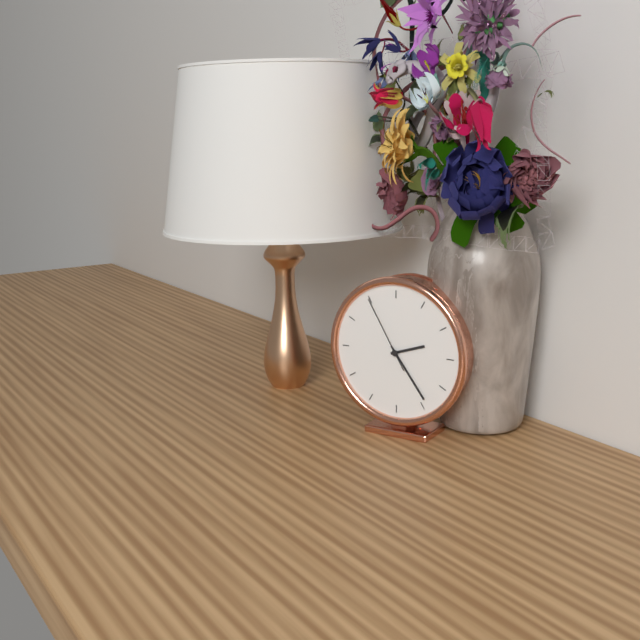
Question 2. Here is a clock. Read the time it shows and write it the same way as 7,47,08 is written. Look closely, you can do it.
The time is 2,24,55
